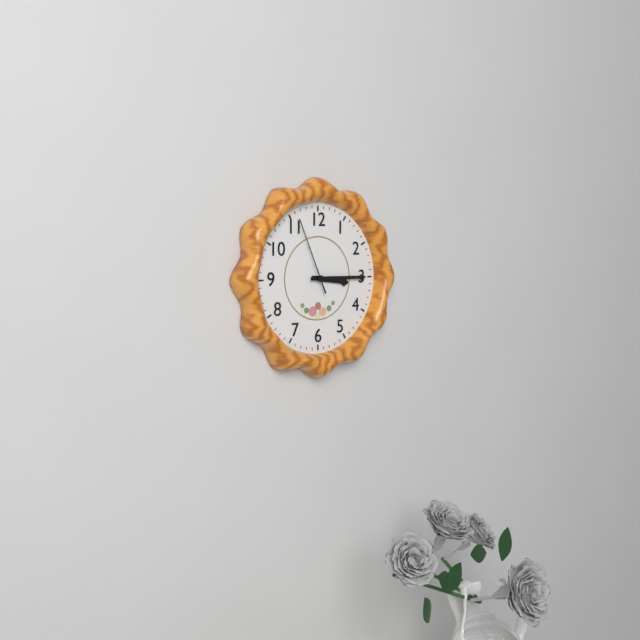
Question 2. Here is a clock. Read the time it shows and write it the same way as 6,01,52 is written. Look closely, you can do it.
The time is 3,15,56
